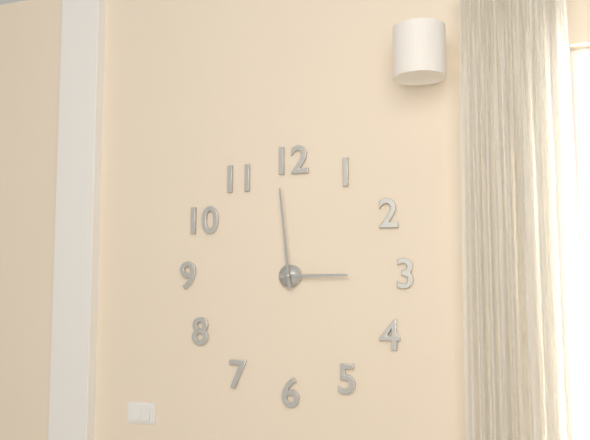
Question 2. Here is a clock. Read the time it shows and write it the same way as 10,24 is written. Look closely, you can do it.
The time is 2,59
